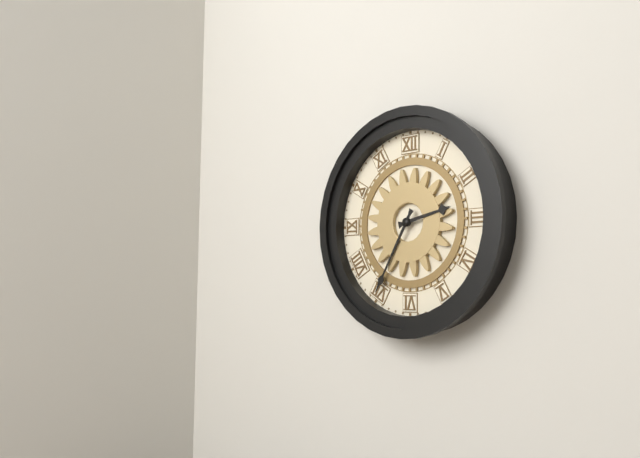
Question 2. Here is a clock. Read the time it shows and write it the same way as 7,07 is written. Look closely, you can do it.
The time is 2,35
